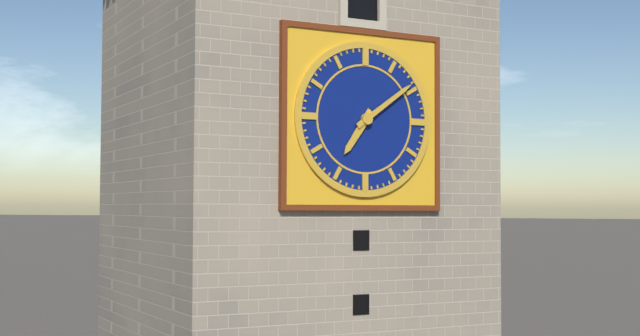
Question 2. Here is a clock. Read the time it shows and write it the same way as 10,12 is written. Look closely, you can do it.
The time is 7,09
